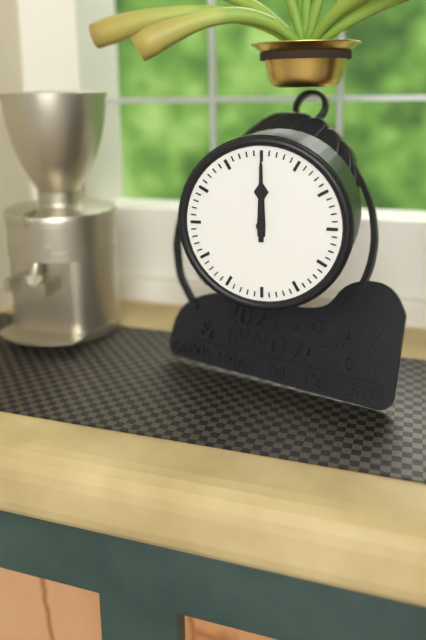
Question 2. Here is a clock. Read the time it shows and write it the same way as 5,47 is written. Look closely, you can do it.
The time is 12,00
